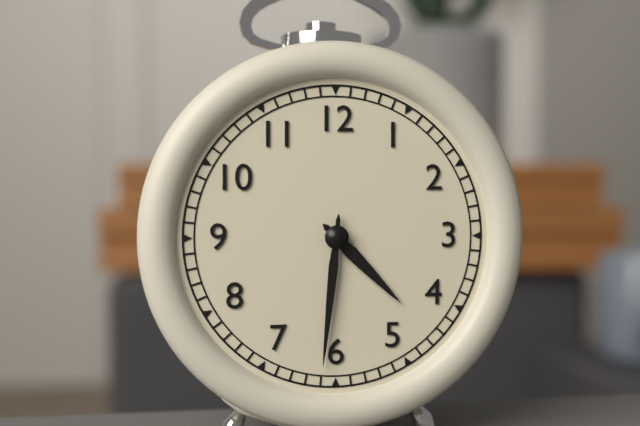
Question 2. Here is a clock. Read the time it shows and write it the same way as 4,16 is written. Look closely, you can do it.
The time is 4,31
